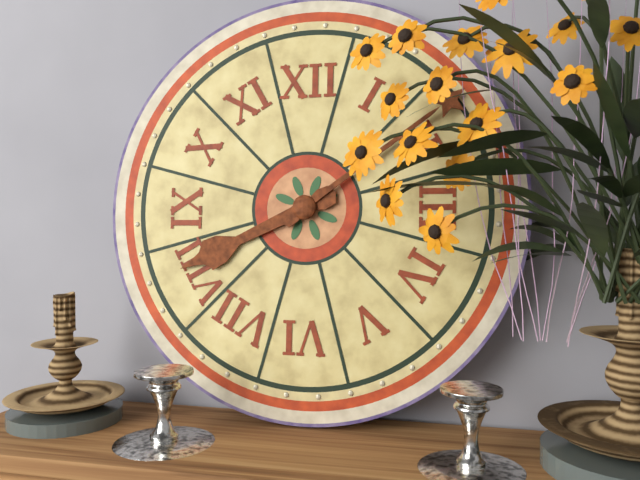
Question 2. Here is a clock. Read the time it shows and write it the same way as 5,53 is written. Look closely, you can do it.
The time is 8,09
